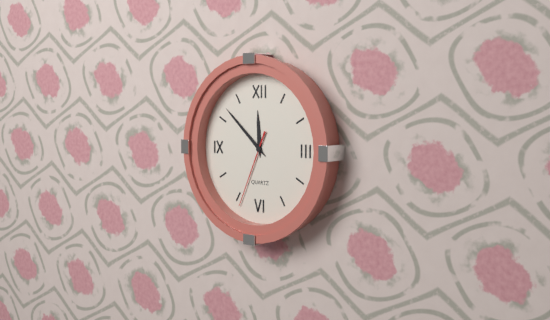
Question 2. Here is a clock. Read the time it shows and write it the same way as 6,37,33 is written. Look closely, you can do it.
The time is 11,52,34
